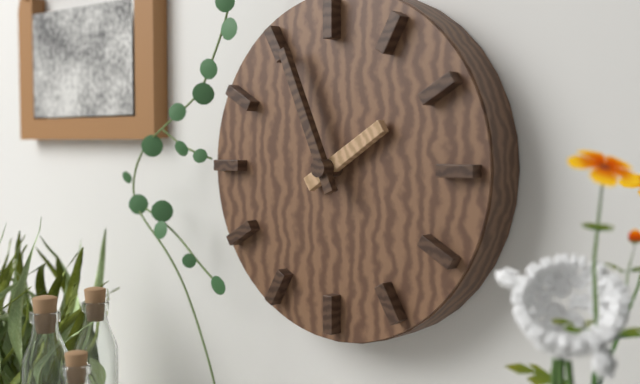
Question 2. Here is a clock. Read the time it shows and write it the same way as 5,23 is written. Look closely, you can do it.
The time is 1,56
